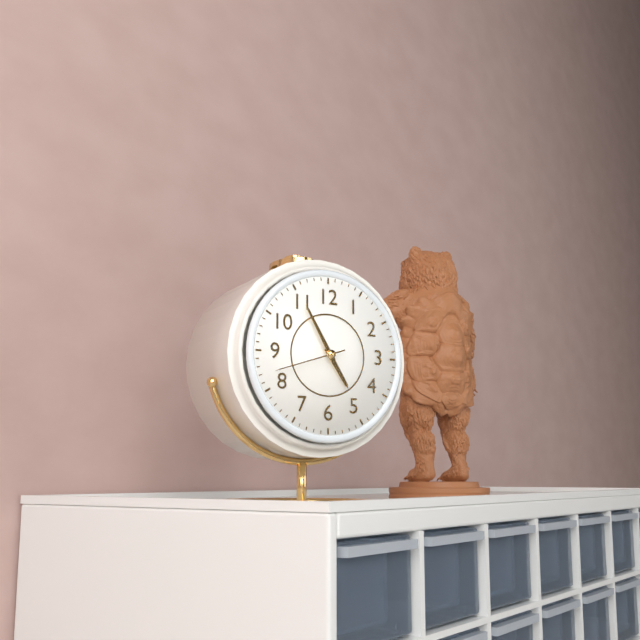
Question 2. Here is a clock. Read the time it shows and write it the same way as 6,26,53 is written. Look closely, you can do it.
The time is 4,55,42
